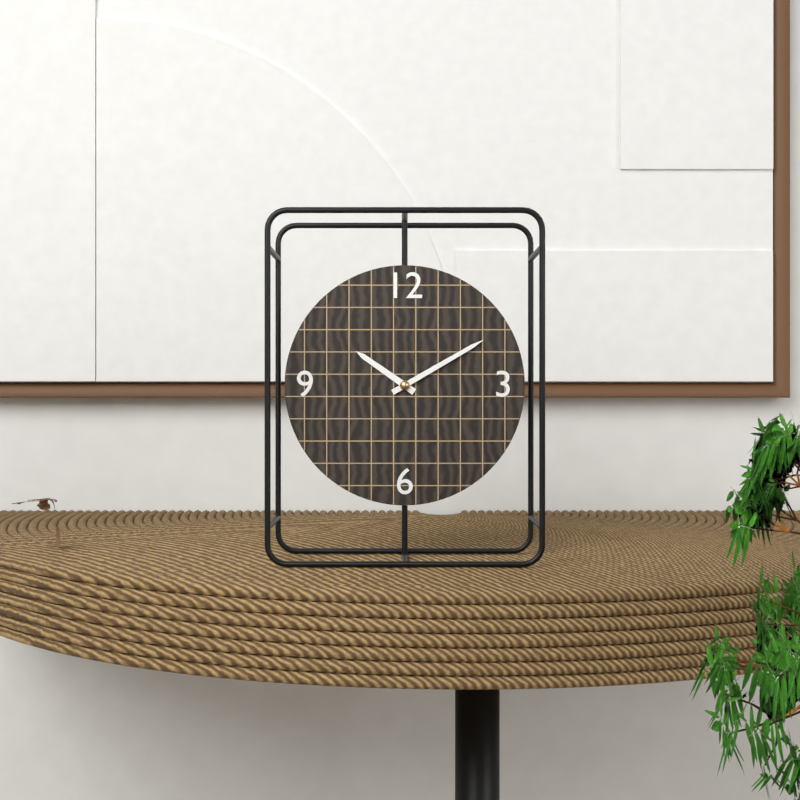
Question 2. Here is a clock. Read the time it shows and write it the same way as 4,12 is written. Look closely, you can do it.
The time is 10,10
